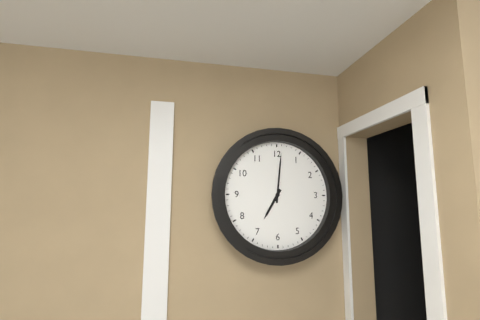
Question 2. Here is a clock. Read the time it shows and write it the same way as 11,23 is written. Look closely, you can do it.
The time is 7,01
